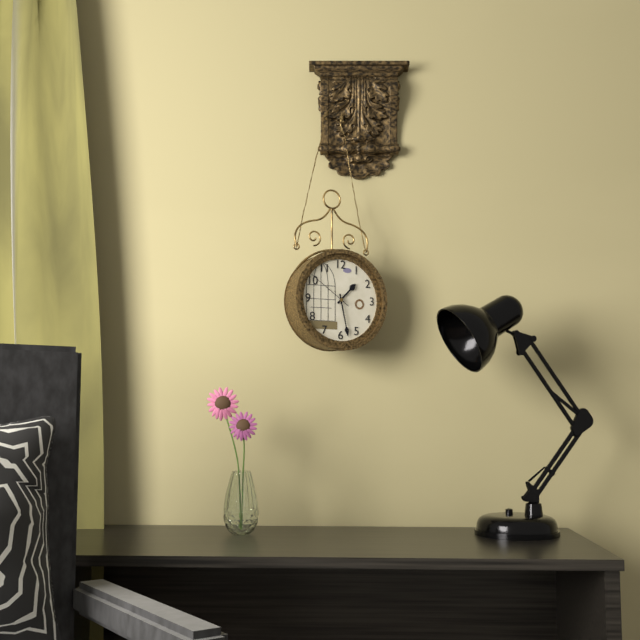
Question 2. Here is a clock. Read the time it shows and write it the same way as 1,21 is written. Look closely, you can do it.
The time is 1,28
